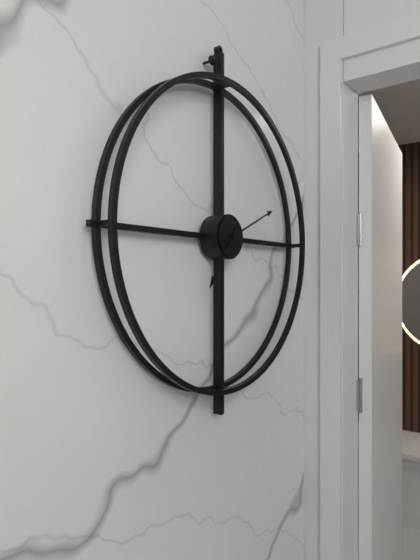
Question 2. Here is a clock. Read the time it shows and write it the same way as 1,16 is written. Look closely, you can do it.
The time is 7,11
